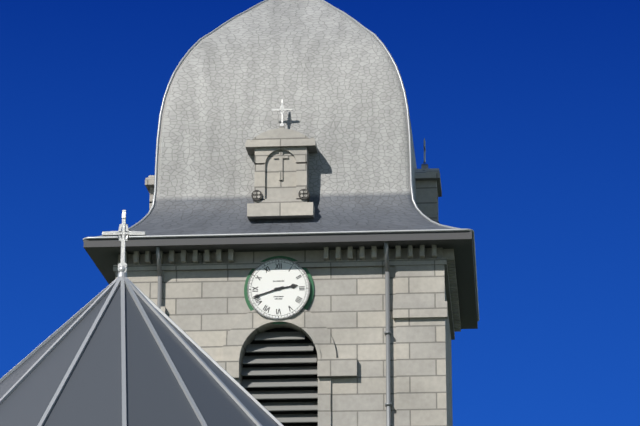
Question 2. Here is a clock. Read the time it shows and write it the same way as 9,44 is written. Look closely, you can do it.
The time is 2,42
